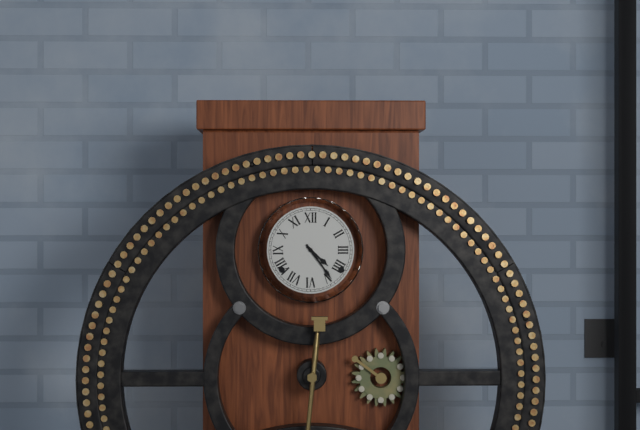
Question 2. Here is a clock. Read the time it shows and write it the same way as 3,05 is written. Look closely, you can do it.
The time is 4,24
